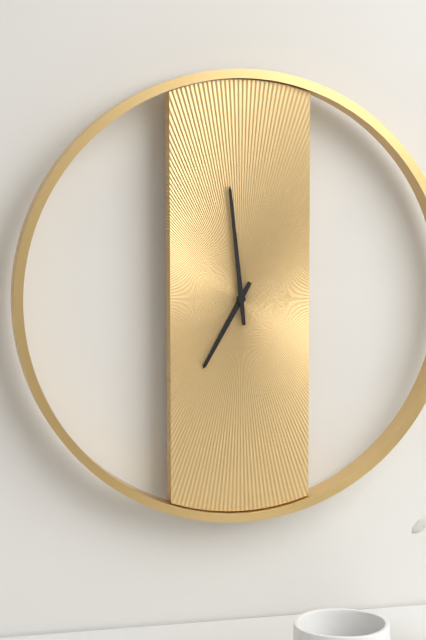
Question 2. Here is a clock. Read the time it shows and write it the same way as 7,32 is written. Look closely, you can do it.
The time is 6,59
